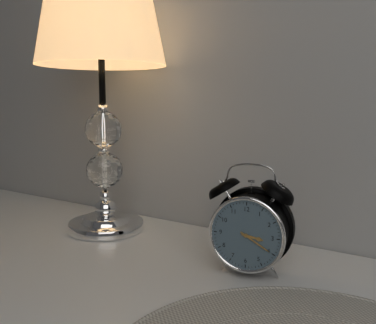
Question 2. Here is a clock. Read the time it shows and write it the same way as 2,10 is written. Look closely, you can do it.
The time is 3,20
